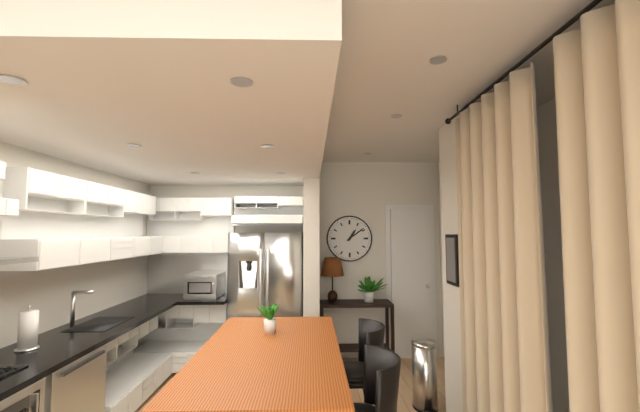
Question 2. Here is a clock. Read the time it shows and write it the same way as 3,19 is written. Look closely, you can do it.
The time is 1,09
